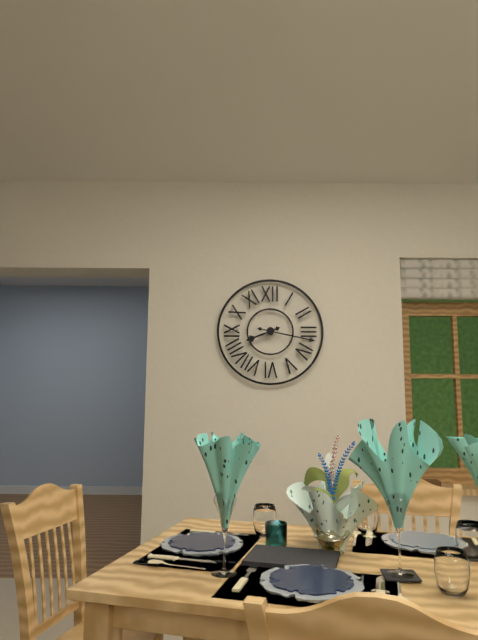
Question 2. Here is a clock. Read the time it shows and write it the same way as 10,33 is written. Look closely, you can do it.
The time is 8,17
